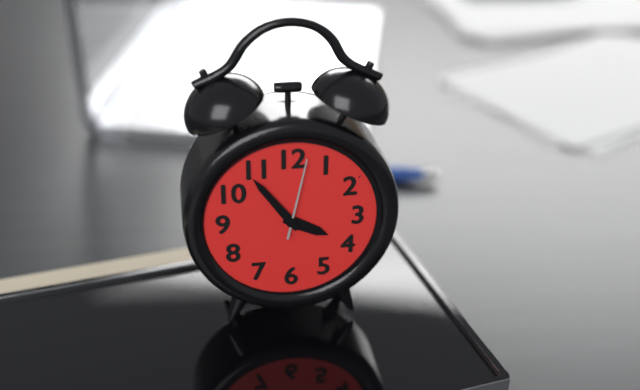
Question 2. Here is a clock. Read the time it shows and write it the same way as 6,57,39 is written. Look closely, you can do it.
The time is 3,54,02
